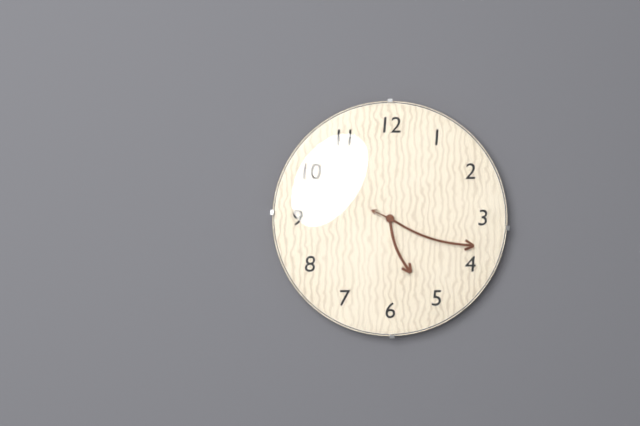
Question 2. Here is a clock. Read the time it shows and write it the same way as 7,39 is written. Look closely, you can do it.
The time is 5,18
